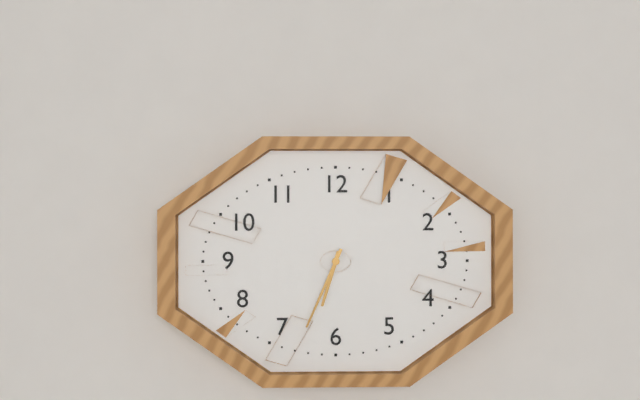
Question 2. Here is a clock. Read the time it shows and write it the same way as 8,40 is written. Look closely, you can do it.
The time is 6,34
